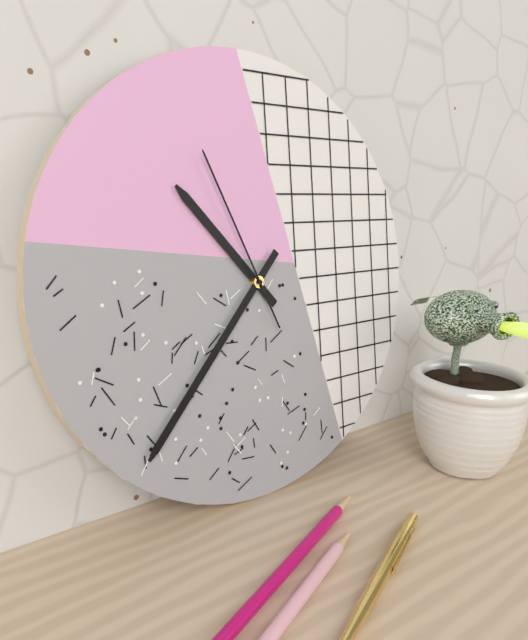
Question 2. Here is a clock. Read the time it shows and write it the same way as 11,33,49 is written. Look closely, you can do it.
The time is 10,37,56
